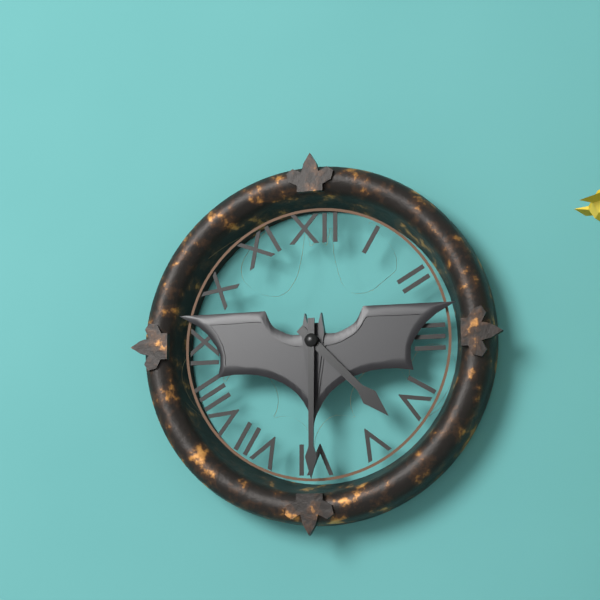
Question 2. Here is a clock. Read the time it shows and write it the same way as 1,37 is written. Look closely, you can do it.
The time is 4,30
